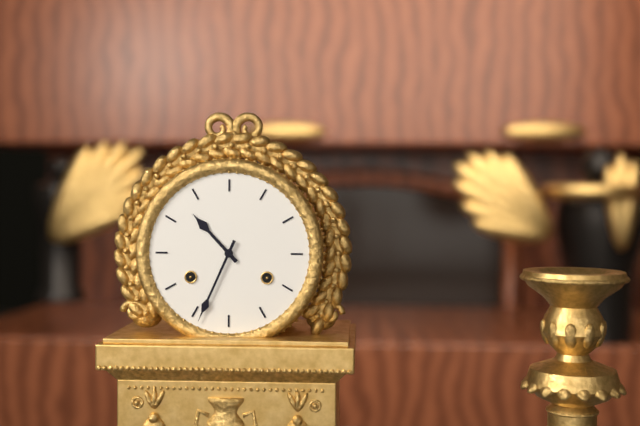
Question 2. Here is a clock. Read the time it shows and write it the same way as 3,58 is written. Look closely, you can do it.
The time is 10,34
